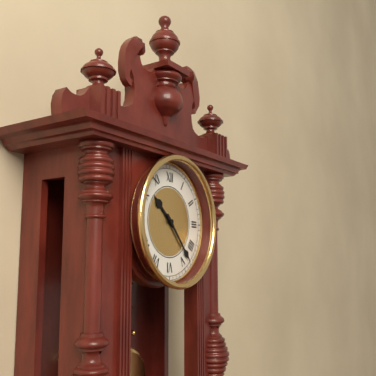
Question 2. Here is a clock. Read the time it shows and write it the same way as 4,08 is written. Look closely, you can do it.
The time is 10,23
